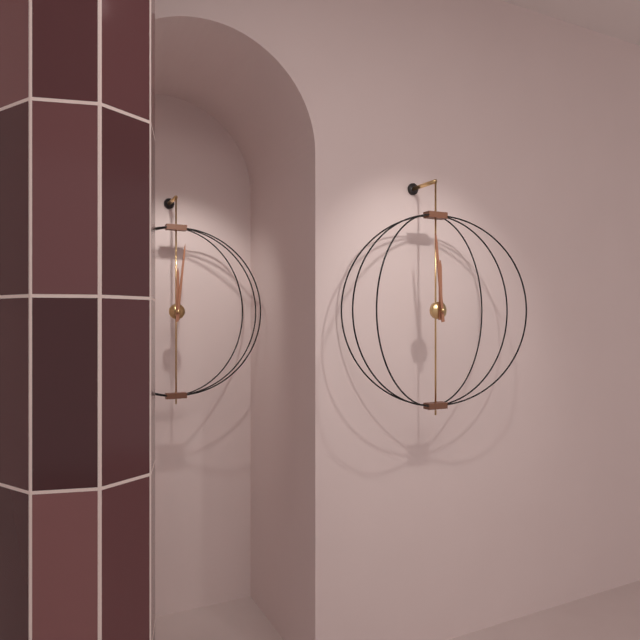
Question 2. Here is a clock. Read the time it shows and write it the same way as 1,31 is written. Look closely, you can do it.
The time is 11,59
